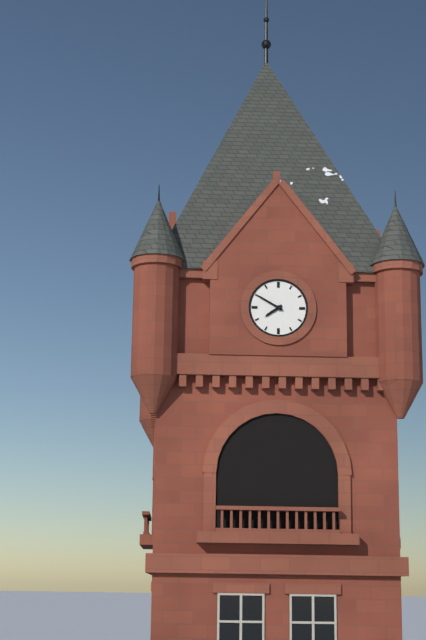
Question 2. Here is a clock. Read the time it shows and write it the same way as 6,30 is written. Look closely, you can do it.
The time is 7,50
